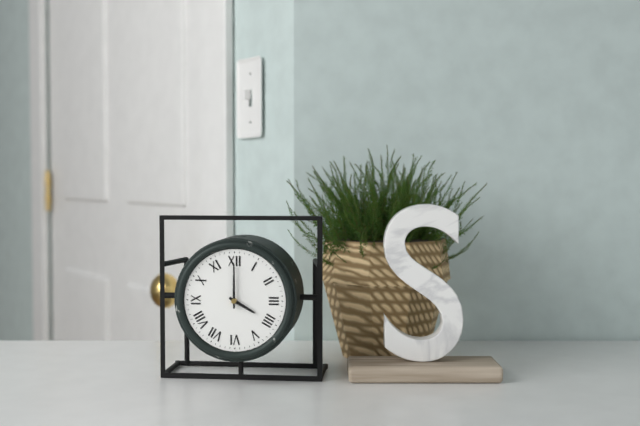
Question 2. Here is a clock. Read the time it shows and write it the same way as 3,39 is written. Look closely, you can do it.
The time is 4,00
